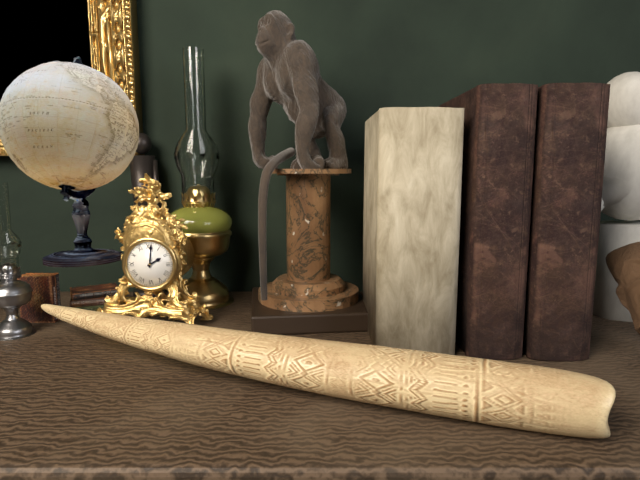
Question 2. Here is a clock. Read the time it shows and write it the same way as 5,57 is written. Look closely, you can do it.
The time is 2,01
